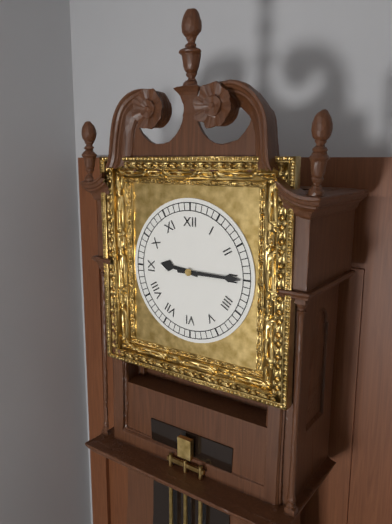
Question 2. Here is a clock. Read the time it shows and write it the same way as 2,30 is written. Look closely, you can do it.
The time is 9,15
